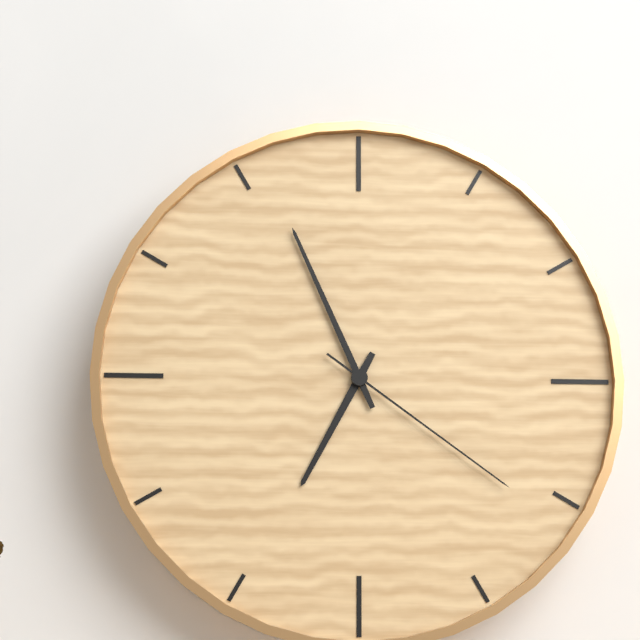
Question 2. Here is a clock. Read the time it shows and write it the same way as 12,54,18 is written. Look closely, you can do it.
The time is 6,56,21
